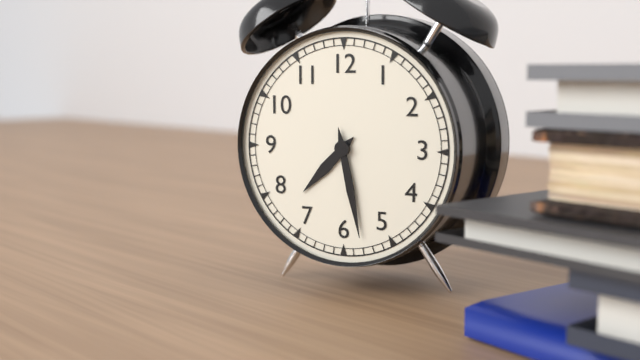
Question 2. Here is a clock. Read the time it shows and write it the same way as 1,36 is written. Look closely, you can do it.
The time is 7,28
